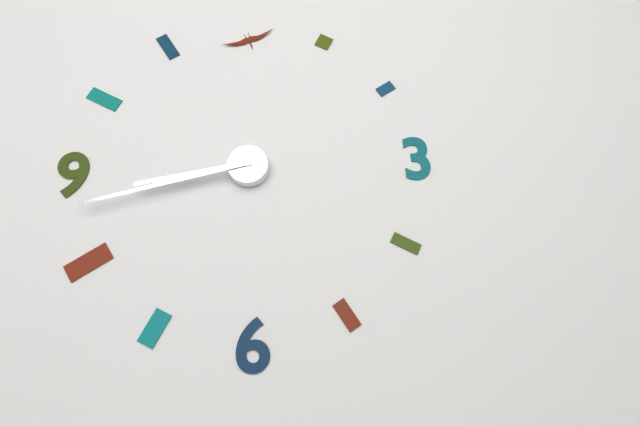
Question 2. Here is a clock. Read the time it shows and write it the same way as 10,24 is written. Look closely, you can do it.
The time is 8,43
